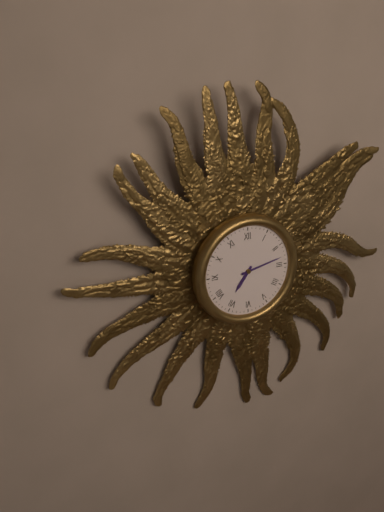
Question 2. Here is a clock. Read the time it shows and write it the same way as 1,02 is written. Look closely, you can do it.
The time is 7,13
